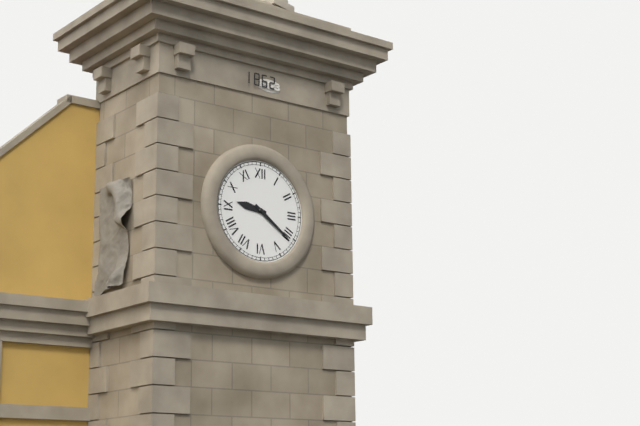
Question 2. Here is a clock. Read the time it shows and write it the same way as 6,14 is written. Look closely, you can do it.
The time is 9,21
